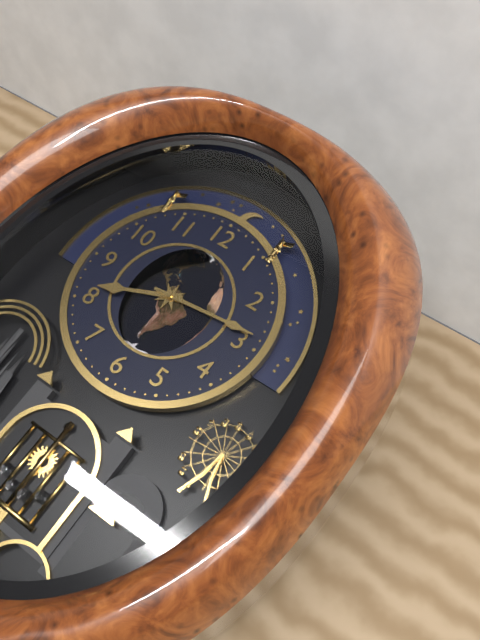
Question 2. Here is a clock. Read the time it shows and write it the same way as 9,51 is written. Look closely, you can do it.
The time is 8,14
